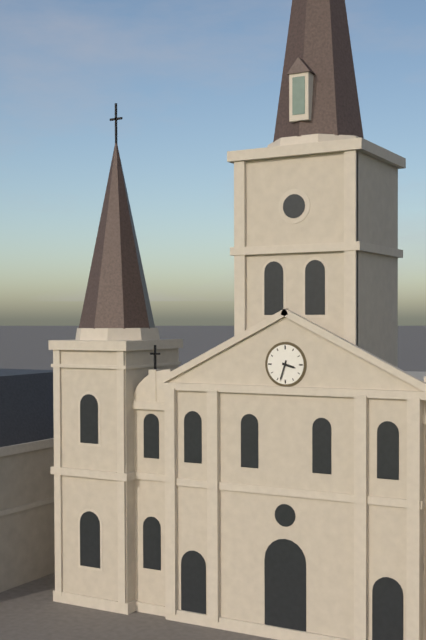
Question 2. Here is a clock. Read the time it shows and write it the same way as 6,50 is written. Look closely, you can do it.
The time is 3,33
